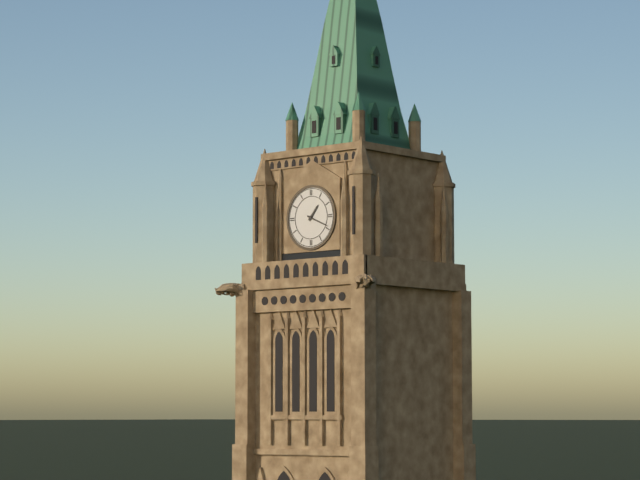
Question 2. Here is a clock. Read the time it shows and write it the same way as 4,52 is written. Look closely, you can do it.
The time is 1,19
